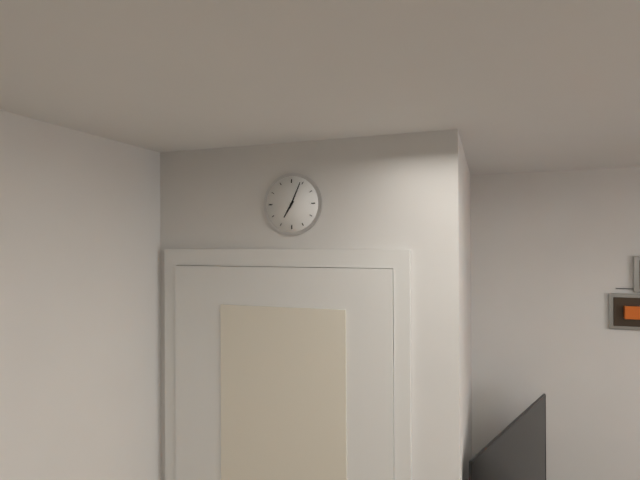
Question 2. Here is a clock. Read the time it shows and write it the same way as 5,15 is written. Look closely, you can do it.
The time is 7,04
